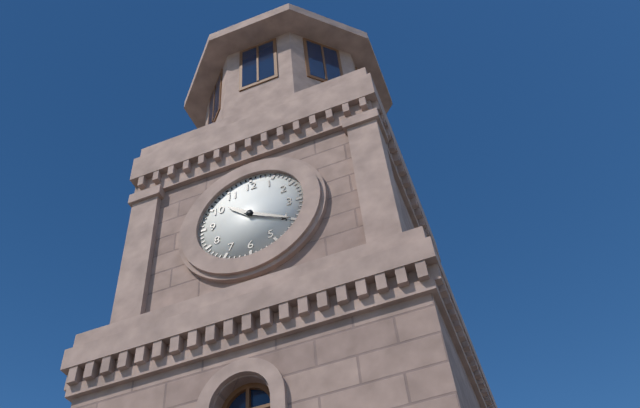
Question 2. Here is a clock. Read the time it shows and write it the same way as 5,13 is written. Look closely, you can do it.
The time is 10,20
